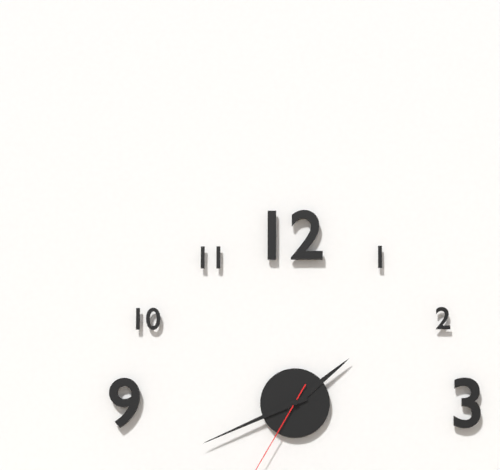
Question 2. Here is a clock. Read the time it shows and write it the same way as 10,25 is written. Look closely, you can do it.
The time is 1,41
